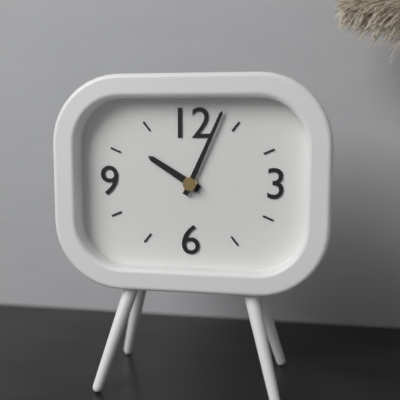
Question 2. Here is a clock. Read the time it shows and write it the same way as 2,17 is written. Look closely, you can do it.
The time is 10,04
